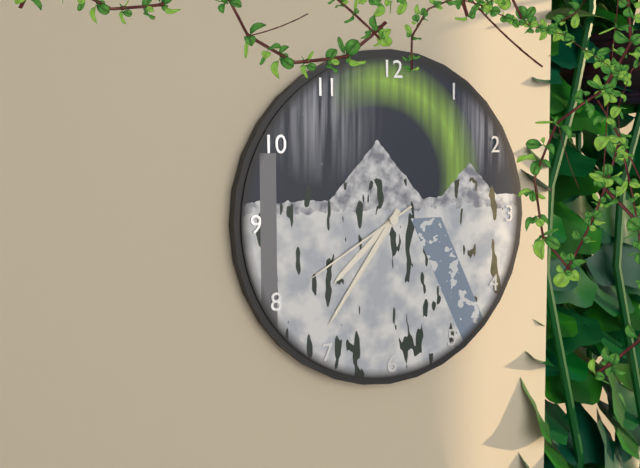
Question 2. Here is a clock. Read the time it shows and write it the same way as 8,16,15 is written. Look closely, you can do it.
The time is 7,36,40
